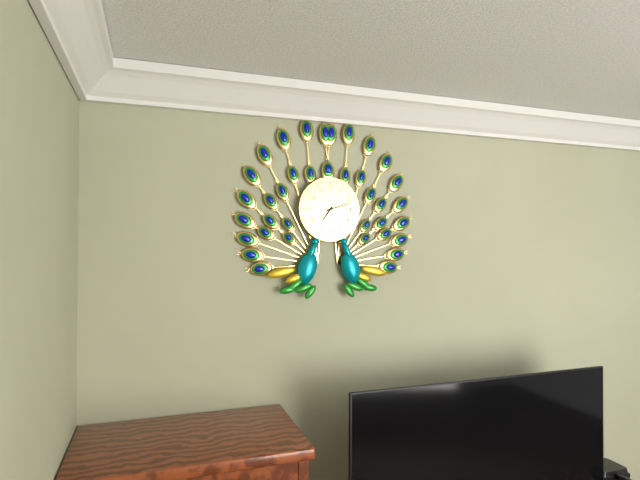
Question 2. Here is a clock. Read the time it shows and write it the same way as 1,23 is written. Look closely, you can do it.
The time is 7,12
